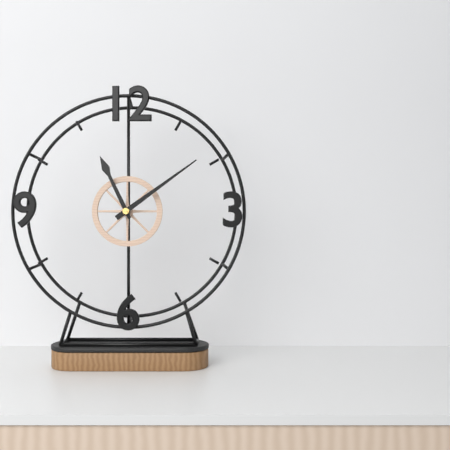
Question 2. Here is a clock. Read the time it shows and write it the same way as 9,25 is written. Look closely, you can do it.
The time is 11,09
